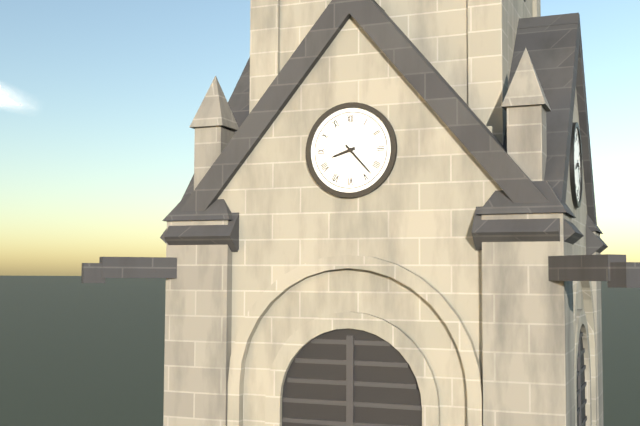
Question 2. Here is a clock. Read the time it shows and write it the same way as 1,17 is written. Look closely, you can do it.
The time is 8,23
